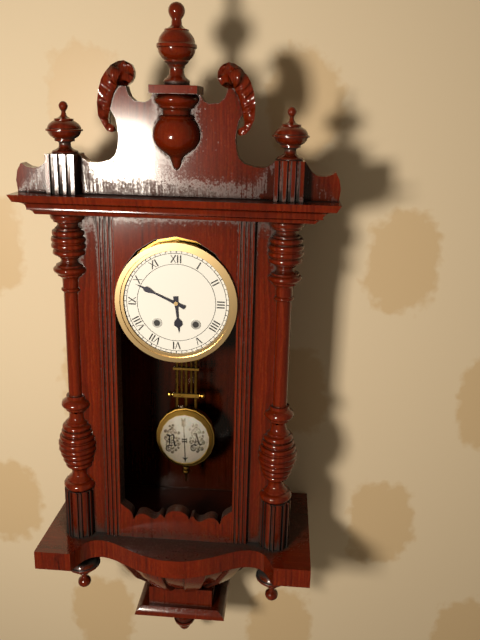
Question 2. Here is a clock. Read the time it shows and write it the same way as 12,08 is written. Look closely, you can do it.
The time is 5,49
